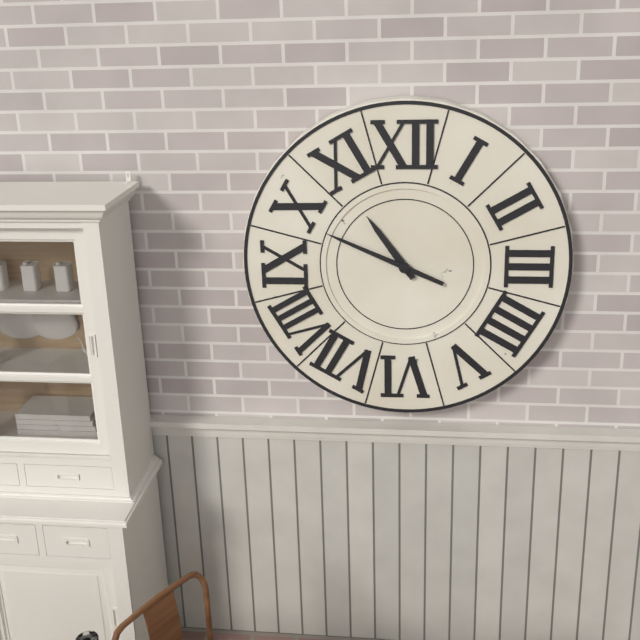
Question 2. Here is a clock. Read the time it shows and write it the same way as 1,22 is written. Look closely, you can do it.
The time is 10,49
